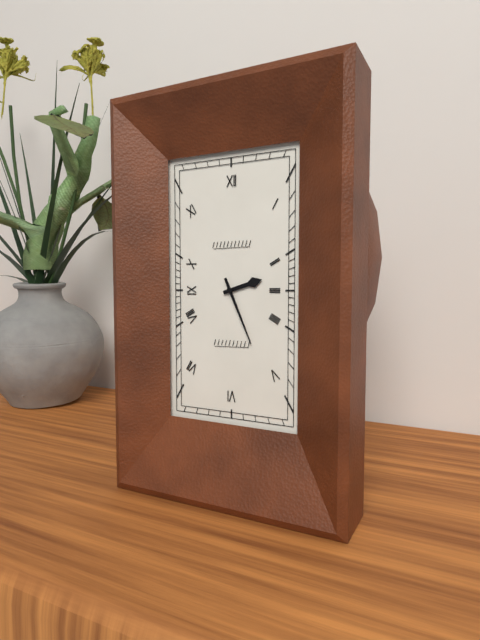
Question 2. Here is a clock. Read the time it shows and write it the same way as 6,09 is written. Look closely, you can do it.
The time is 2,26
